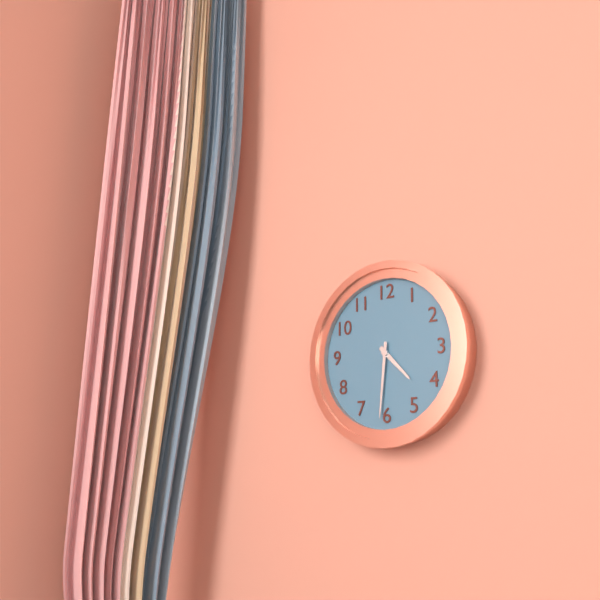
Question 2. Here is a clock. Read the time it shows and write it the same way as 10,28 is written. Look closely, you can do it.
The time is 4,31
